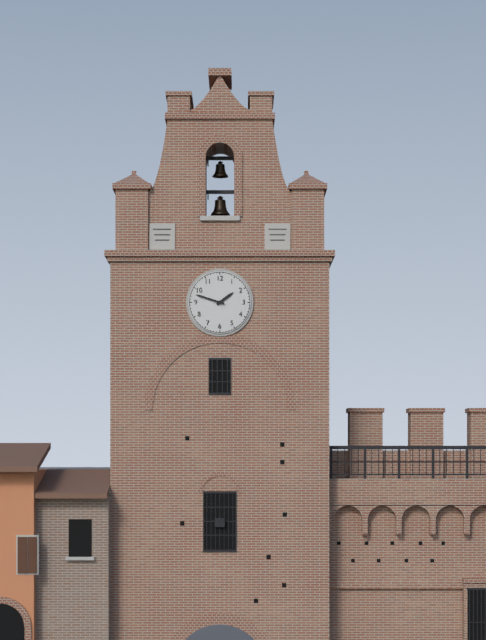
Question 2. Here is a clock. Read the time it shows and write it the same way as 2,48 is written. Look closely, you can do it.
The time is 1,48
